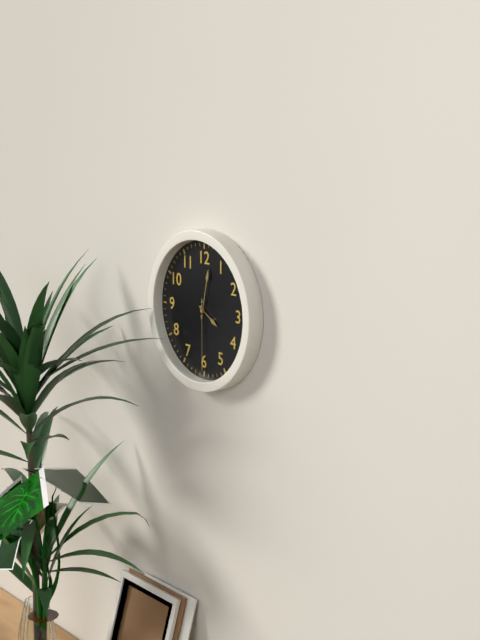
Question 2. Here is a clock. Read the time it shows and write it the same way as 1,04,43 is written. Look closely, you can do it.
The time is 4,02,30
